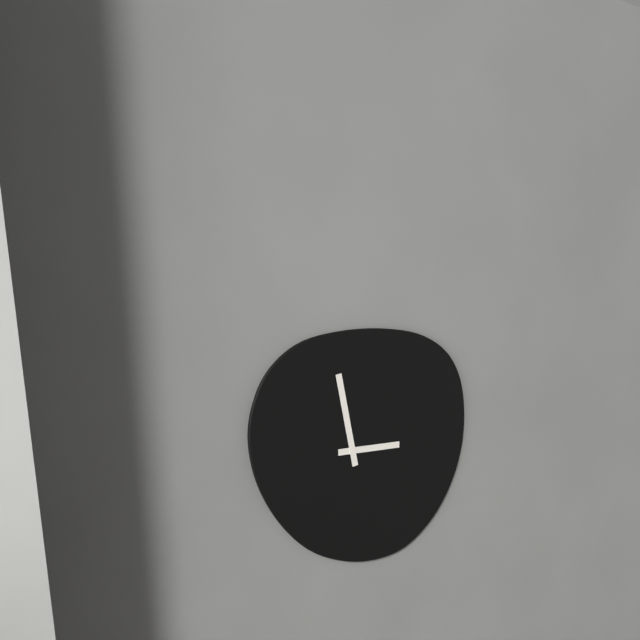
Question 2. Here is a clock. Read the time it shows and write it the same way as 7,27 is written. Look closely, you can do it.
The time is 2,58
